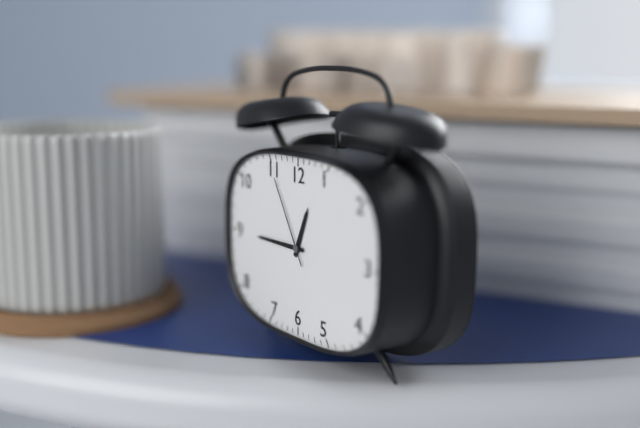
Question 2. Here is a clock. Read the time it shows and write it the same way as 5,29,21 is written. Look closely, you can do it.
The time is 12,45,55
